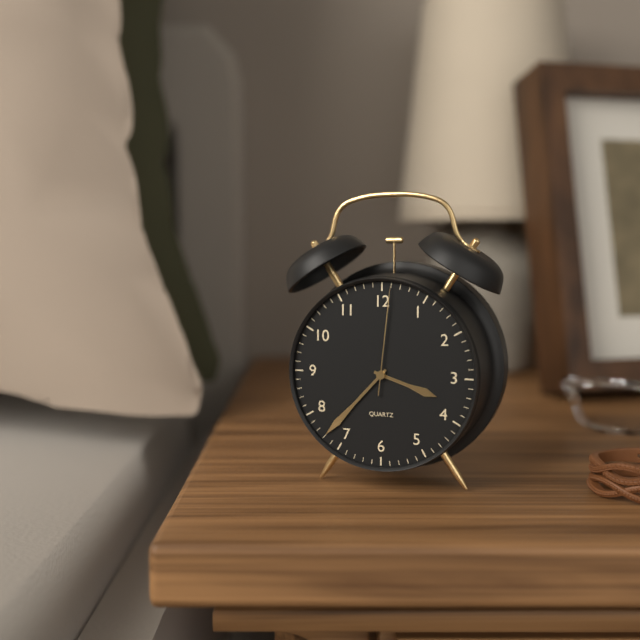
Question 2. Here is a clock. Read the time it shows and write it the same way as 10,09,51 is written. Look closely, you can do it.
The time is 3,37,01
